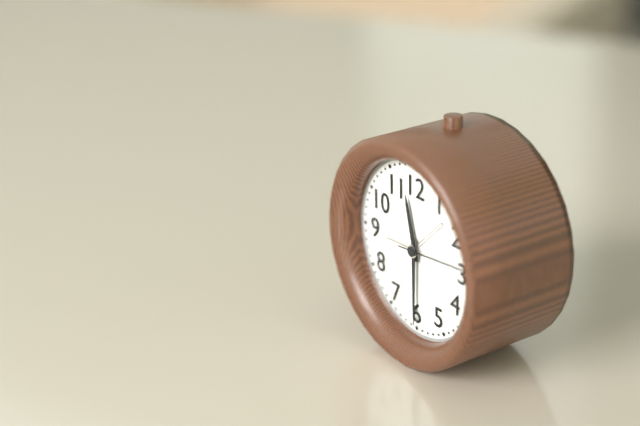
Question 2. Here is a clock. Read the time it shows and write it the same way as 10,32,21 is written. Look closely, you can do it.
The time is 11,30,14
